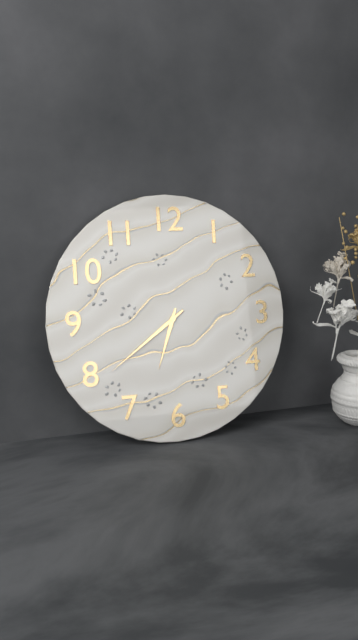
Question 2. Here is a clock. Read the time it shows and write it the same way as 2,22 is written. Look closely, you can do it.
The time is 6,39
